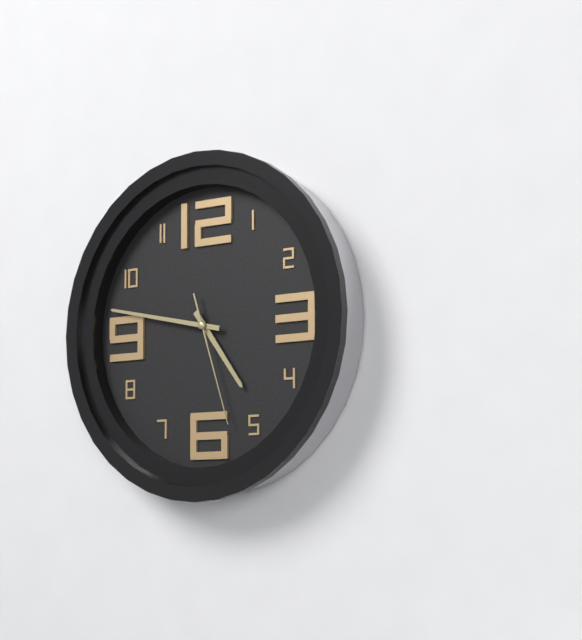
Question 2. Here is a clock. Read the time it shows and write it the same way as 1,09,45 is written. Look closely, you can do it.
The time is 4,47,27
